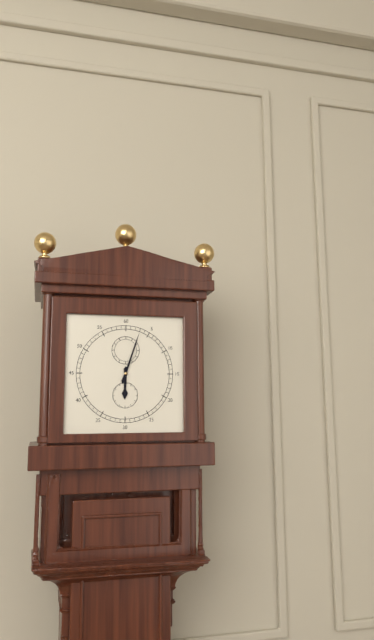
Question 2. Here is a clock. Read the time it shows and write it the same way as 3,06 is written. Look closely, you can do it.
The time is 6,03
